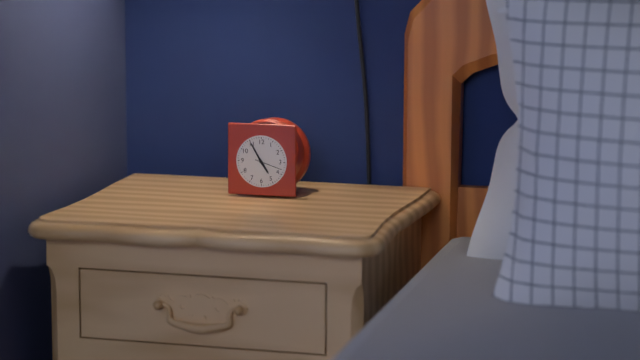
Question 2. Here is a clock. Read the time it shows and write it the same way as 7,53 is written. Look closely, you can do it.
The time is 4,55
